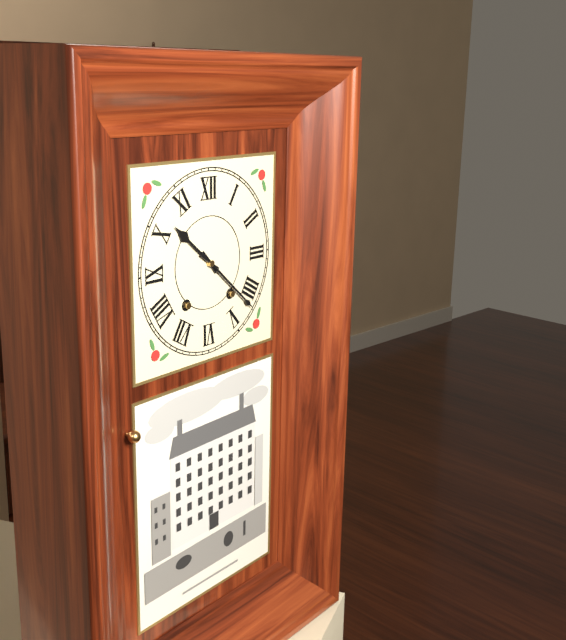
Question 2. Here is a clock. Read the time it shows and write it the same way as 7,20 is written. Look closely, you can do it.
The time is 10,22
